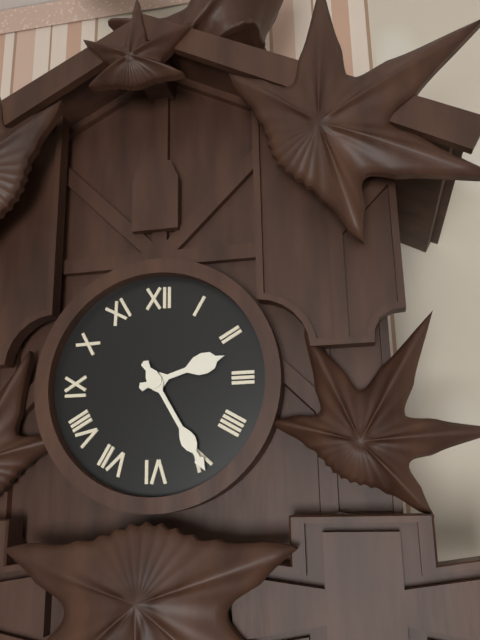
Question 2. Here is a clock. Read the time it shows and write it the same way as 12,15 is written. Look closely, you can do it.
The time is 2,25
